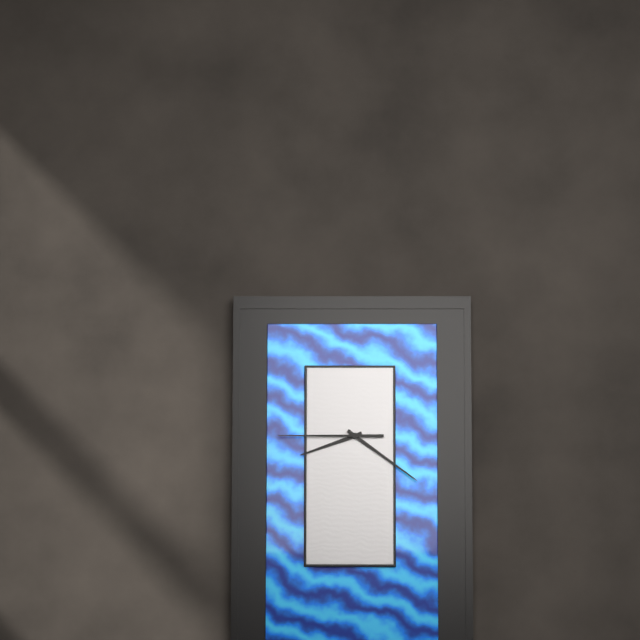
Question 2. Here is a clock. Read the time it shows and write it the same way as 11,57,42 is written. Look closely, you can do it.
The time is 8,21,45
